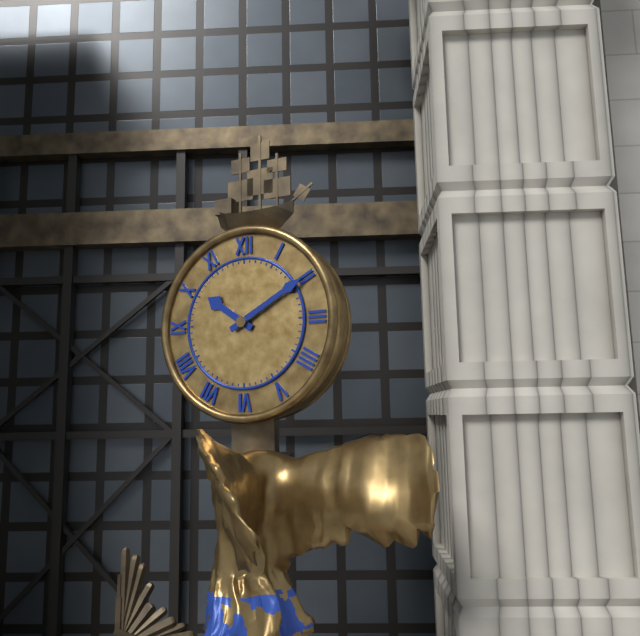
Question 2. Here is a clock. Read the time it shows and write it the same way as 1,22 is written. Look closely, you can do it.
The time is 10,10
